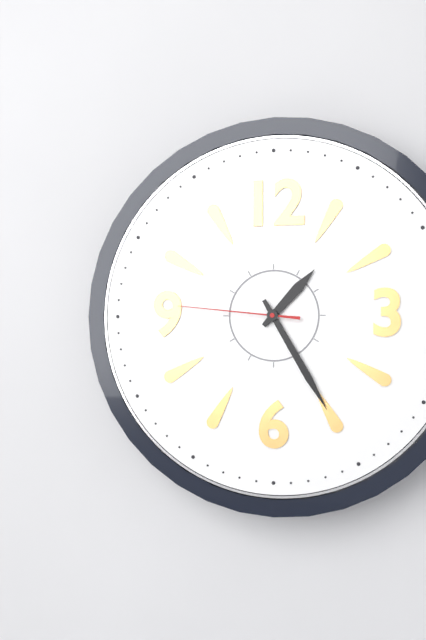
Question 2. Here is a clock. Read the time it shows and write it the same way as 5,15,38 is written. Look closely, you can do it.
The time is 1,25,46
